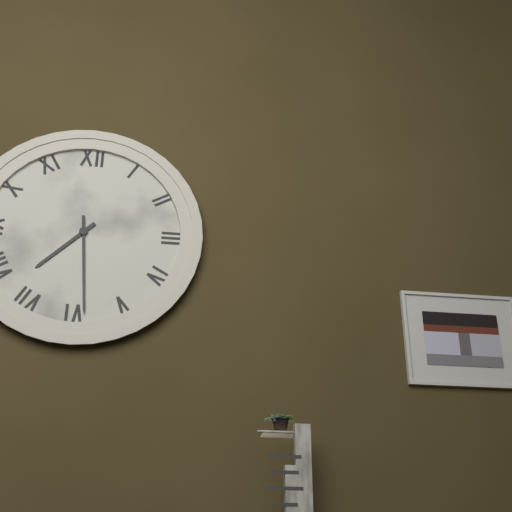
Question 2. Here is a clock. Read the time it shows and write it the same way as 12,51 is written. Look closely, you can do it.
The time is 7,29
